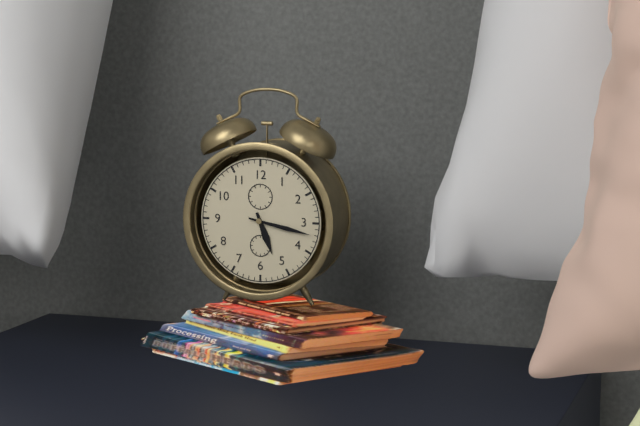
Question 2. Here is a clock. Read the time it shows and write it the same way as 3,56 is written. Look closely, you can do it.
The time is 5,17
